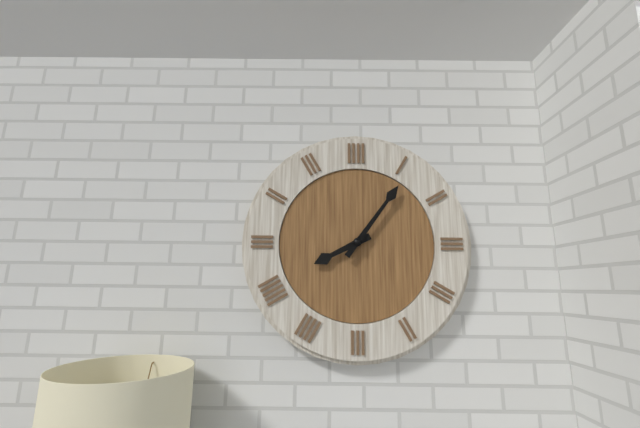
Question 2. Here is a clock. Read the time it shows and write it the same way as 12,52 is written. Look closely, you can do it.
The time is 8,06
